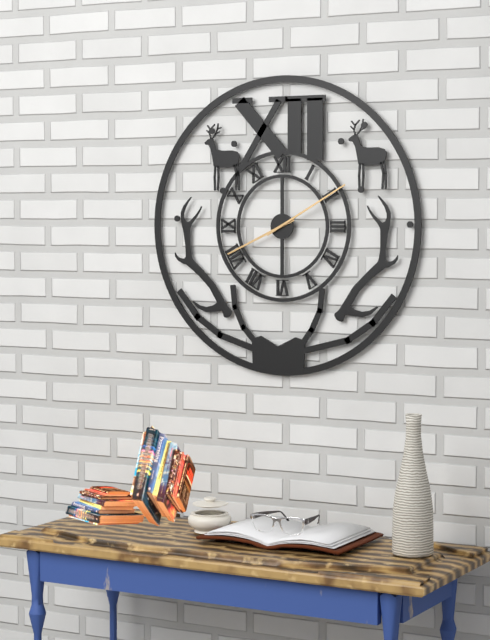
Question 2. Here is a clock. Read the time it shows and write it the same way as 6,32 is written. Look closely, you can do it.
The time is 8,10
